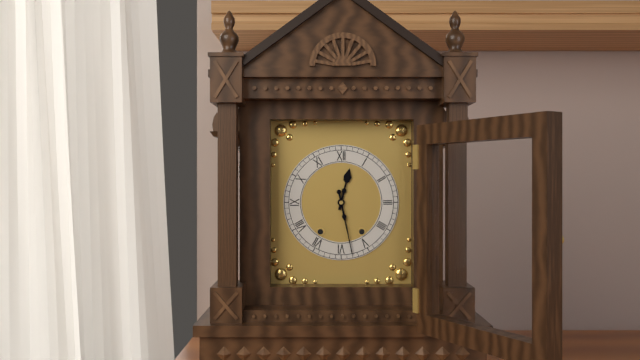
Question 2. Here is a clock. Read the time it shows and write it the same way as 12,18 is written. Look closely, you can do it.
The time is 12,28
